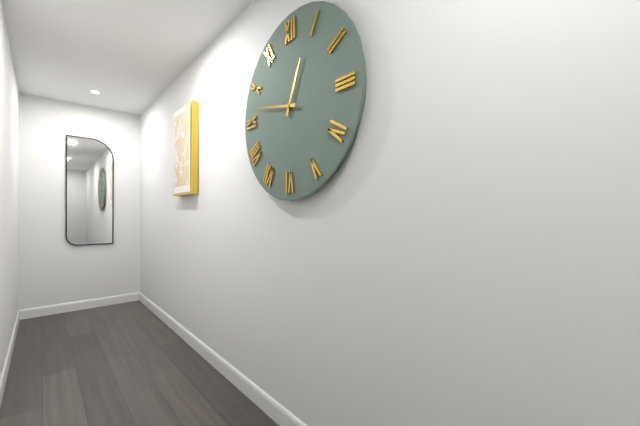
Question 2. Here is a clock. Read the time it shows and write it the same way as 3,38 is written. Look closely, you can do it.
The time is 12,47
